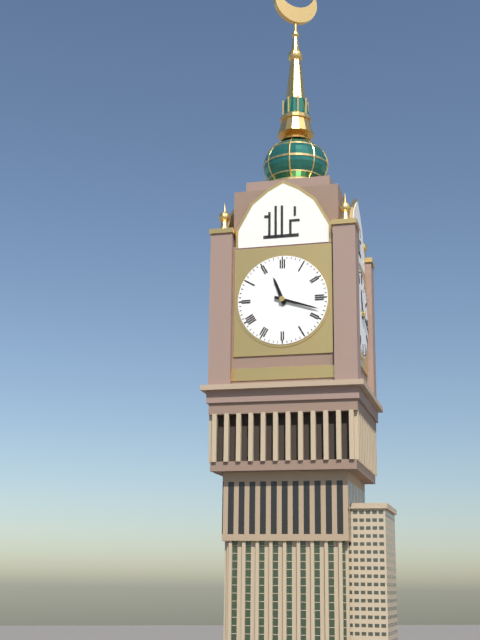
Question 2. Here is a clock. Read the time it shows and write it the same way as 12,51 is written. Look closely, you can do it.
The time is 11,18
